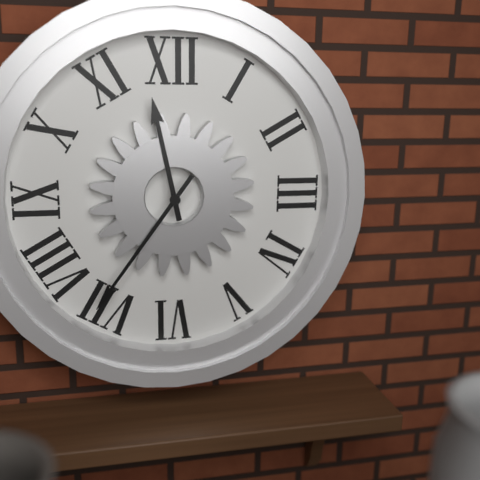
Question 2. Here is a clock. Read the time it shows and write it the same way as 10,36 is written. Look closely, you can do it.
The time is 11,36
